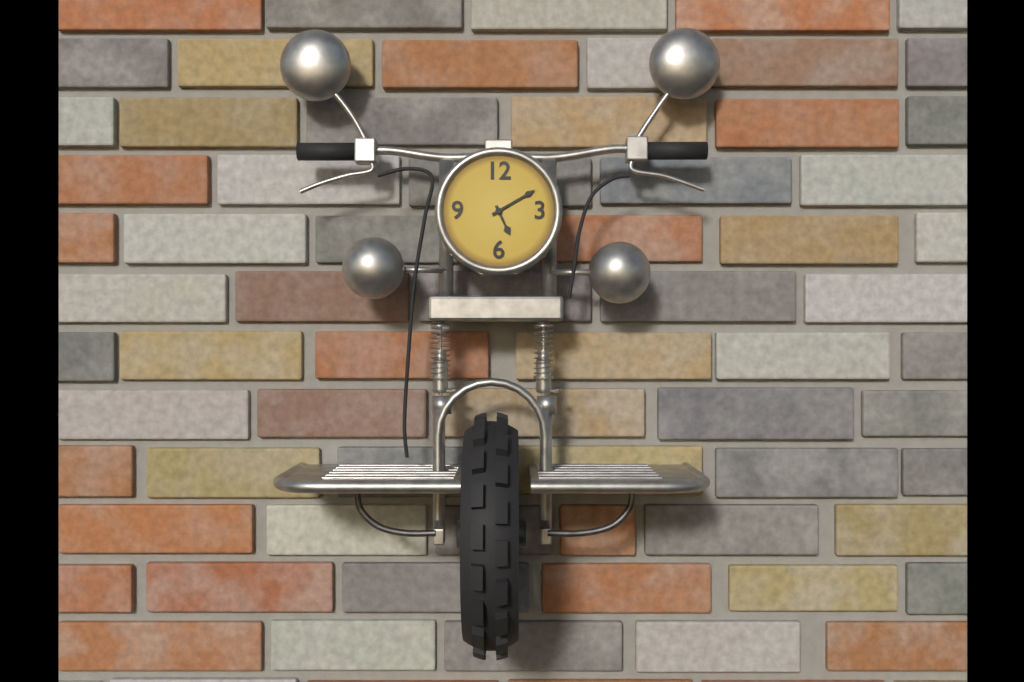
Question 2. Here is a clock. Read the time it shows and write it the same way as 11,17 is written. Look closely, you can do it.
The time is 5,10
